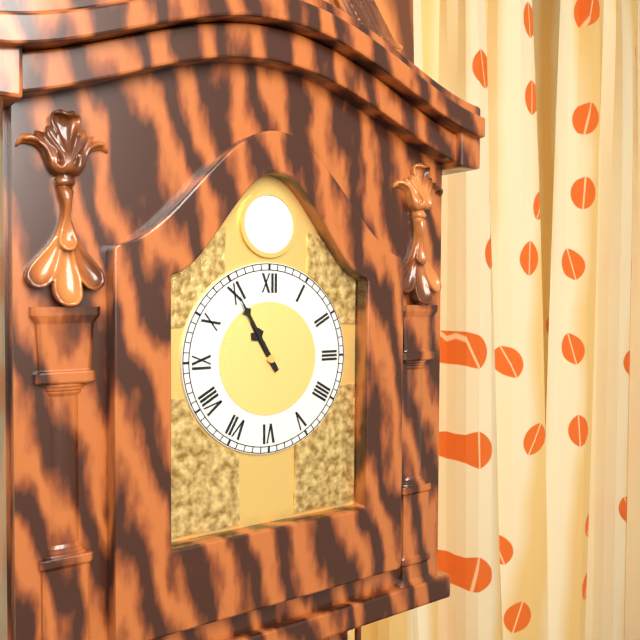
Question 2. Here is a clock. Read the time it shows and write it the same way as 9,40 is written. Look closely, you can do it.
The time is 10,55
